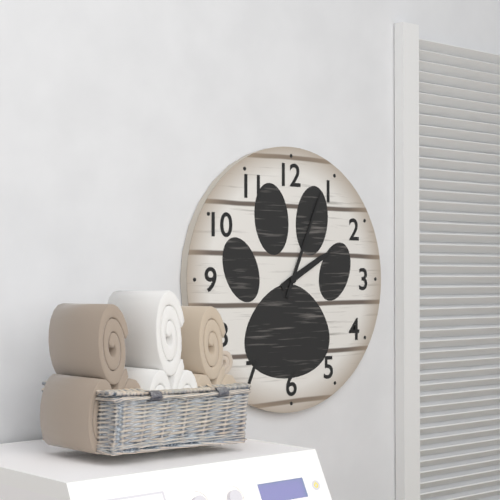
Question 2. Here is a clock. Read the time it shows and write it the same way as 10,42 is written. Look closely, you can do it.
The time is 2,04
